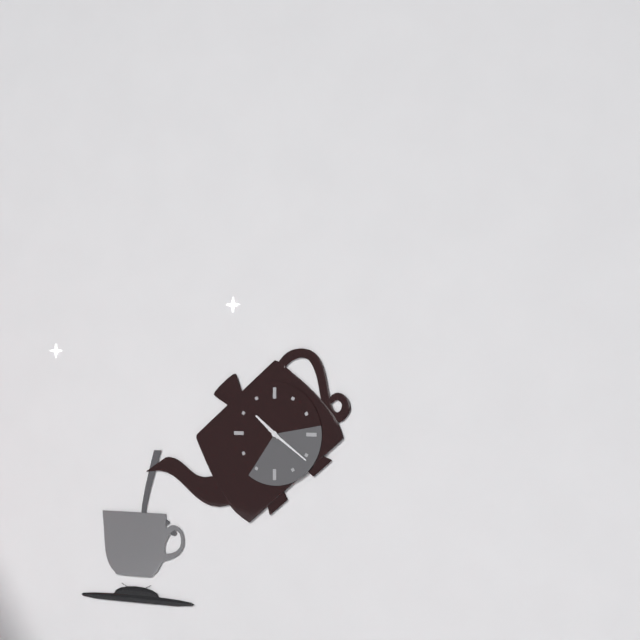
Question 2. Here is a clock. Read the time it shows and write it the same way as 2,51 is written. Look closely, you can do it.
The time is 10,21
